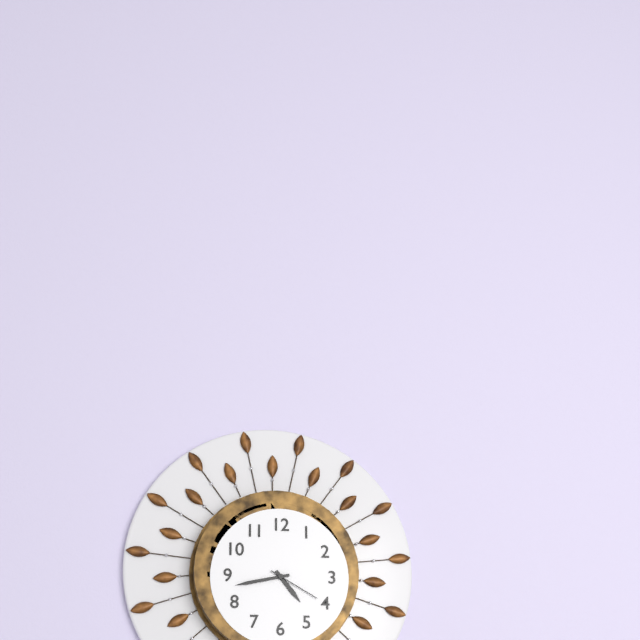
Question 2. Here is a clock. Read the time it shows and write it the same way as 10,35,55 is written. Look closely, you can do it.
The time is 4,43,20
